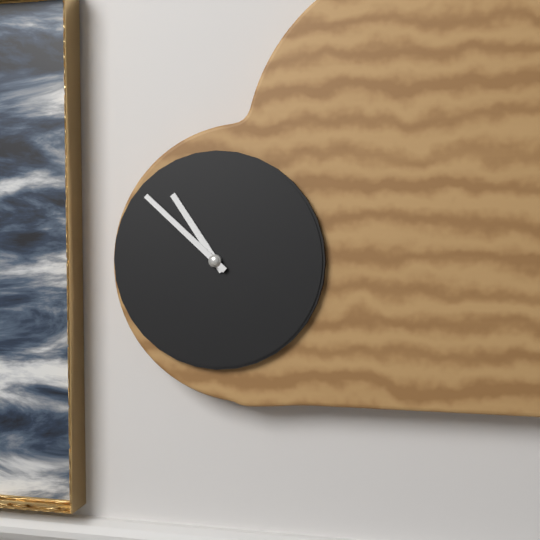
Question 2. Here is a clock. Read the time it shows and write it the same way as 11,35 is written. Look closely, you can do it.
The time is 10,52
